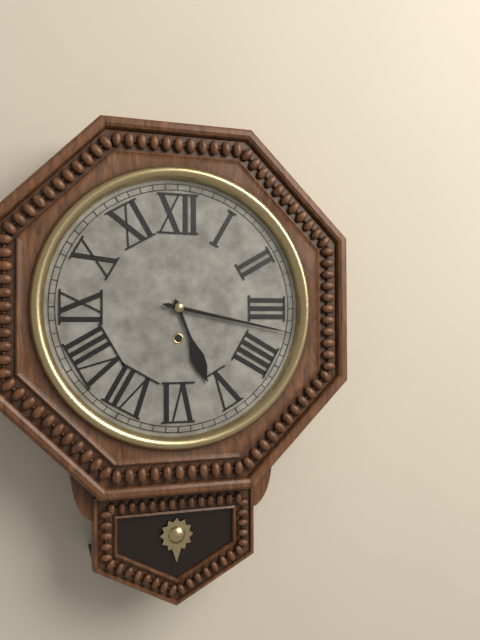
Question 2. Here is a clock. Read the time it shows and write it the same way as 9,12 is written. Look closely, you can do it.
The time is 5,17
